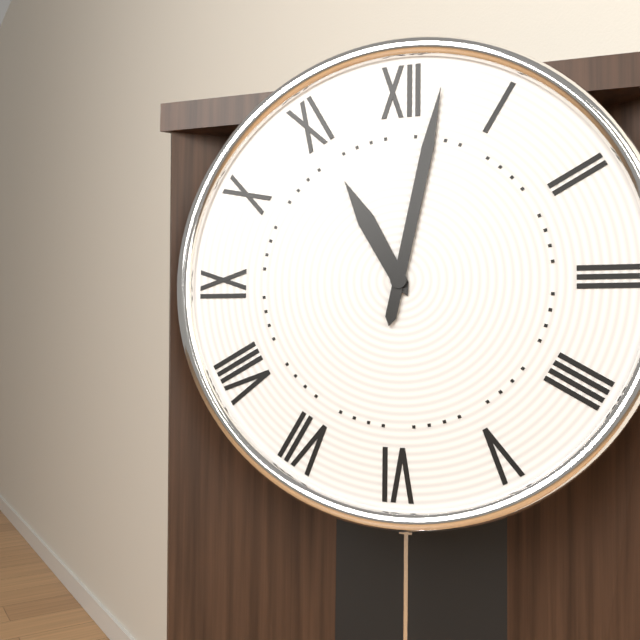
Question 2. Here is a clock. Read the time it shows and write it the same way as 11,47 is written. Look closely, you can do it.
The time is 11,02
